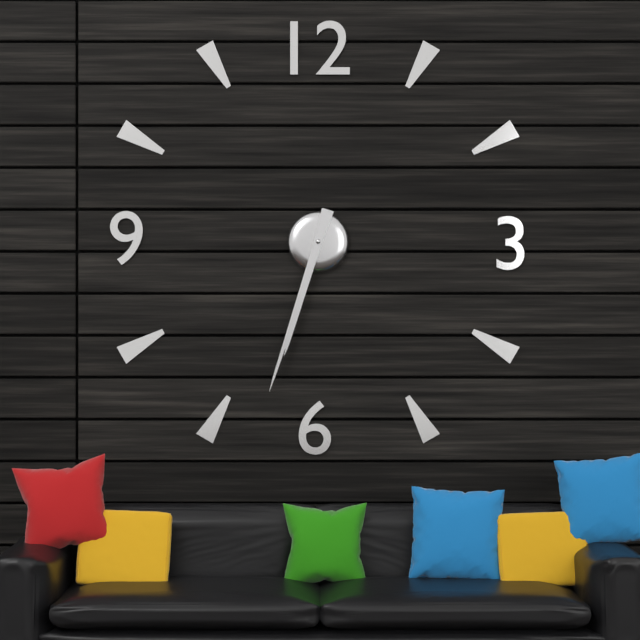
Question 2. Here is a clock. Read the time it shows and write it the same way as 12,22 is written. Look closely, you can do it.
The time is 6,33
